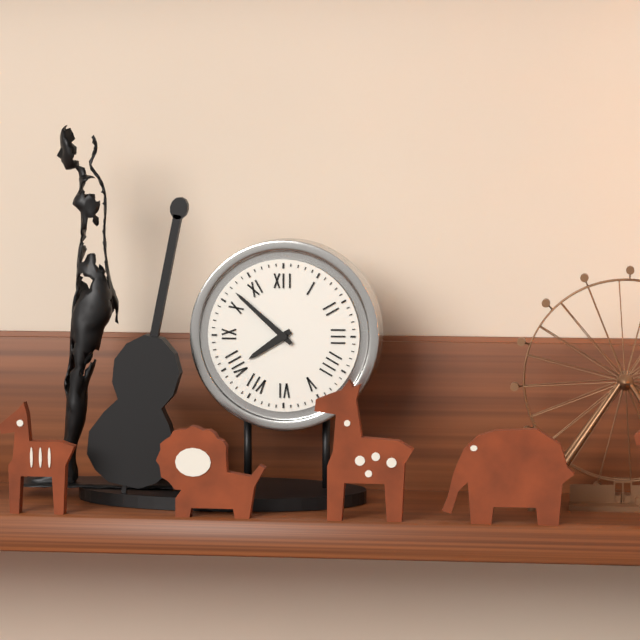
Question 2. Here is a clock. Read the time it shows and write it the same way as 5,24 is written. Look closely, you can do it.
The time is 7,52
